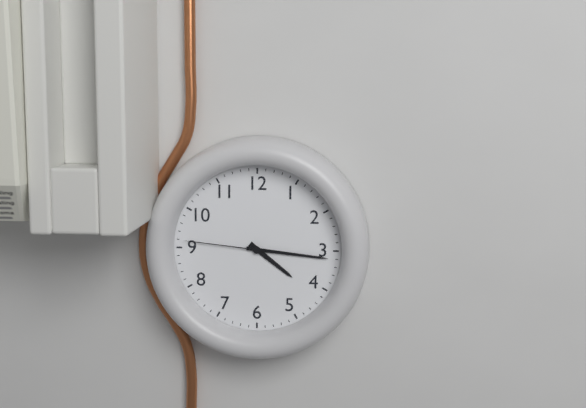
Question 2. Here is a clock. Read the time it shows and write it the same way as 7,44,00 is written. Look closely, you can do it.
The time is 4,16,46
